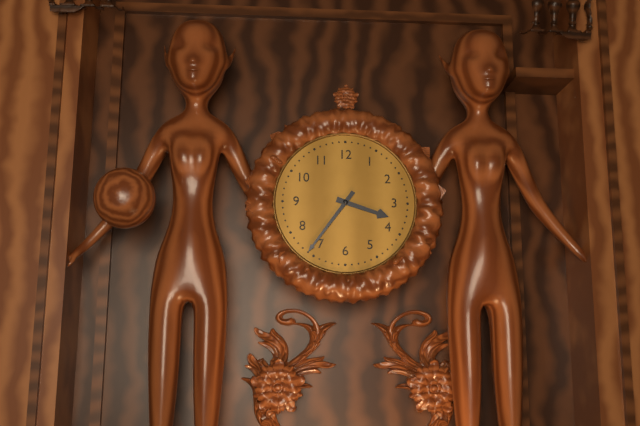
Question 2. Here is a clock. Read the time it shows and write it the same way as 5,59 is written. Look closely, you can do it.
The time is 3,36
